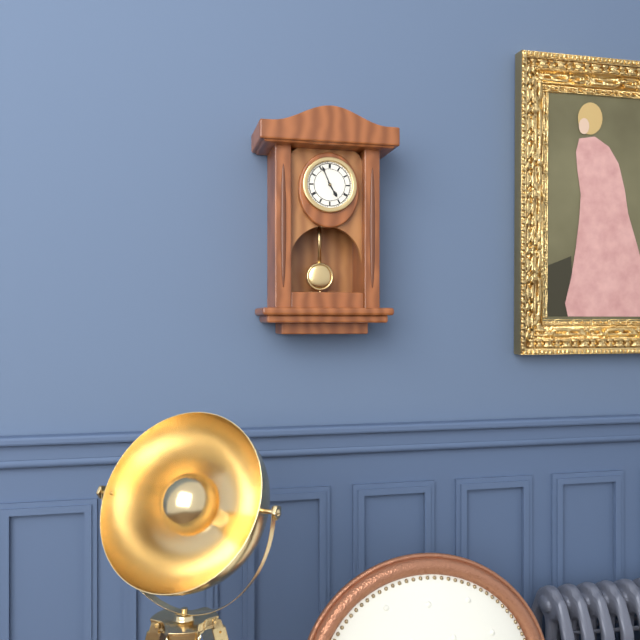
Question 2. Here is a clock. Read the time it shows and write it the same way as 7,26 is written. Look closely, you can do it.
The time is 4,56
